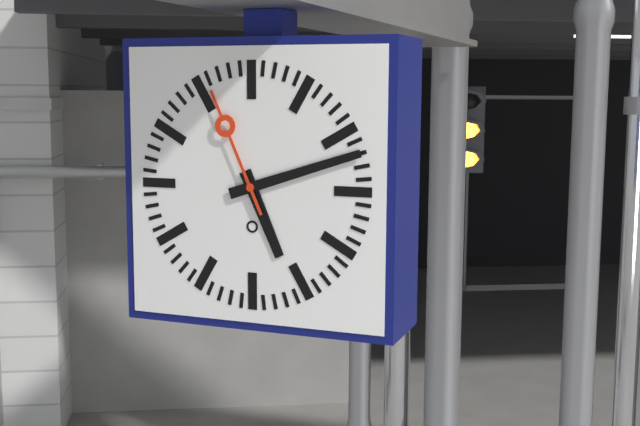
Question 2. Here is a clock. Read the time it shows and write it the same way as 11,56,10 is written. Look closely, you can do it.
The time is 5,12,56
